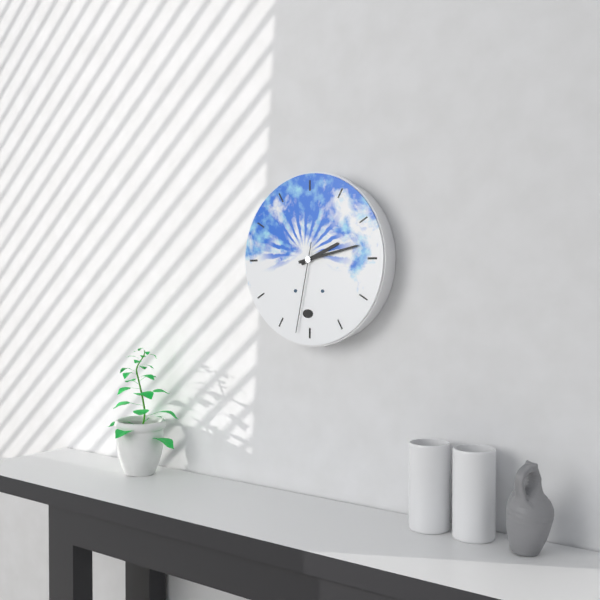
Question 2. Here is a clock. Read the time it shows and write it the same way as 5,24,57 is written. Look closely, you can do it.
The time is 2,13,32
